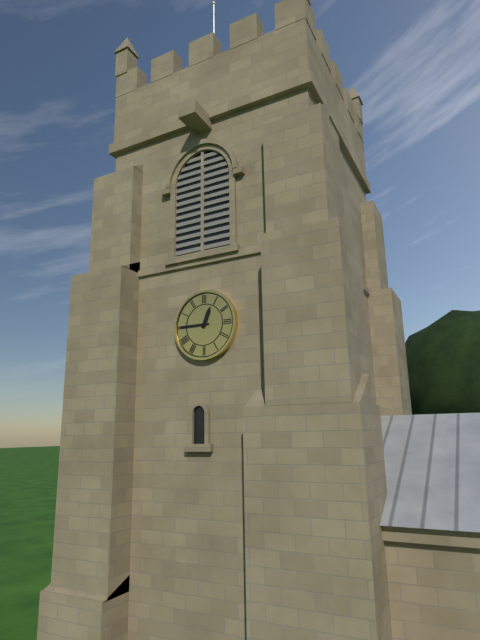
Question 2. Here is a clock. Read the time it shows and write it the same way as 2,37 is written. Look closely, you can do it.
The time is 12,45
